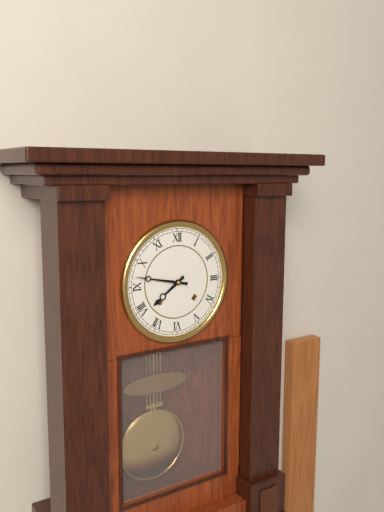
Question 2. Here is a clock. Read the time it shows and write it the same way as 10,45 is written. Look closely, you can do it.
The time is 7,47
